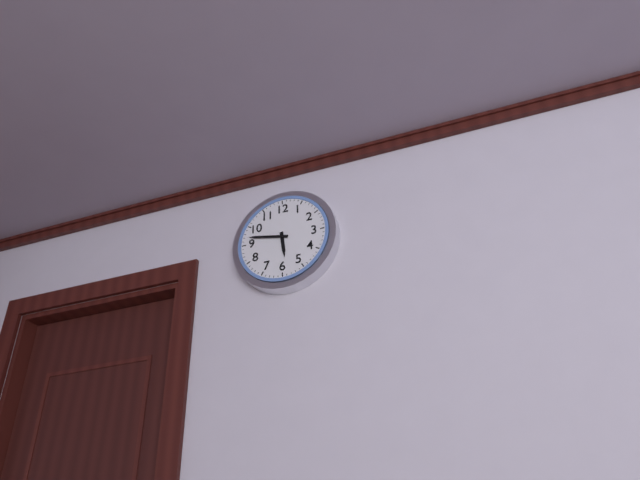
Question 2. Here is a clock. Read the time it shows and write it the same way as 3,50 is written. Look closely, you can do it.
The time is 5,47
